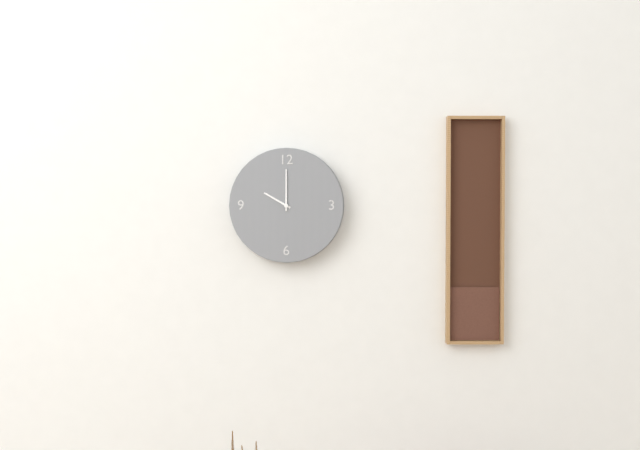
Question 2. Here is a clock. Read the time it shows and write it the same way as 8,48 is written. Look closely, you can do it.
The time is 10,00
